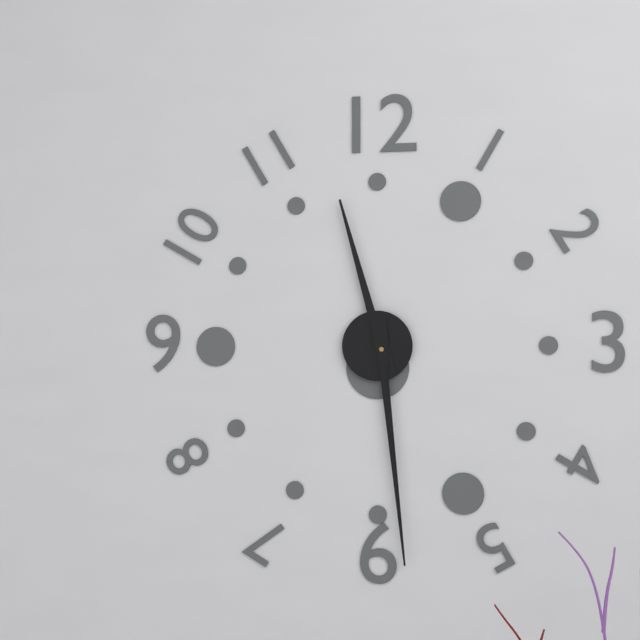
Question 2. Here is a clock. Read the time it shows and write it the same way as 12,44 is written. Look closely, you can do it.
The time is 11,29
